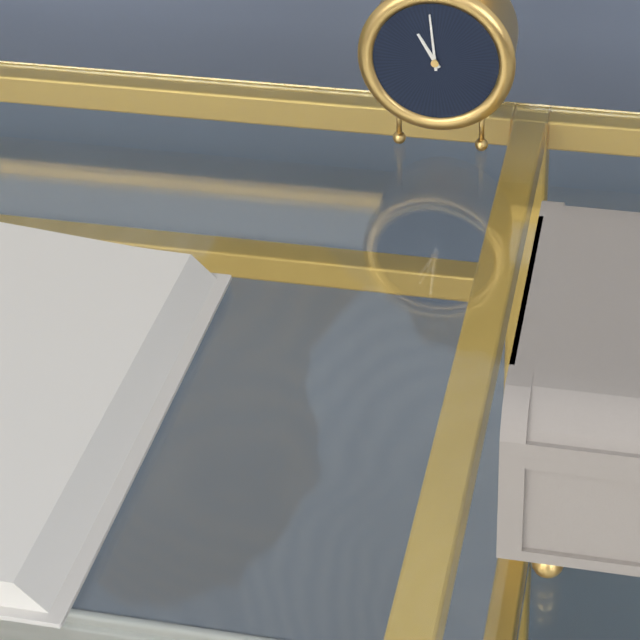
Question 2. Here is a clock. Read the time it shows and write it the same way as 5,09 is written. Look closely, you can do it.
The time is 10,59
